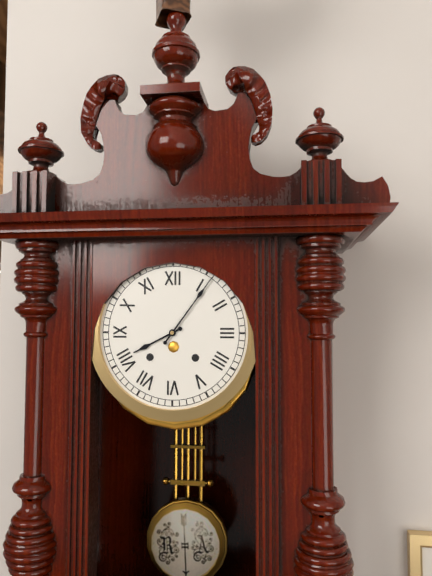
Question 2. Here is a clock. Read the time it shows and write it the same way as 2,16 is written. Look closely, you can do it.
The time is 8,06
